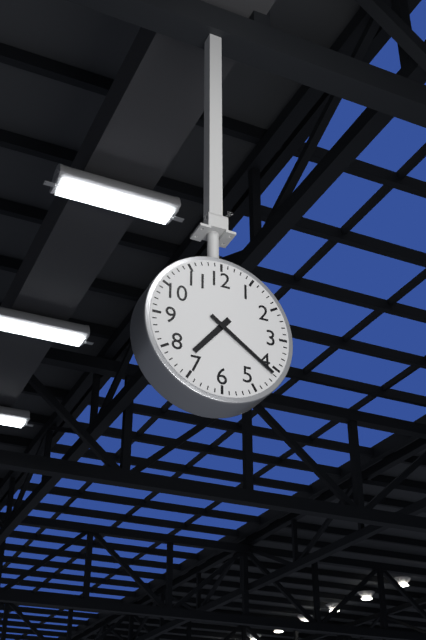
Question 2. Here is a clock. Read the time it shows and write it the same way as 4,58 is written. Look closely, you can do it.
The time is 7,21
